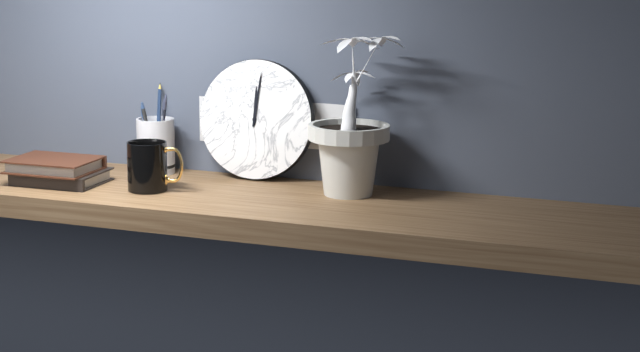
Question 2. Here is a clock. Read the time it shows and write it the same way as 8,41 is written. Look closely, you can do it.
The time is 12,01
